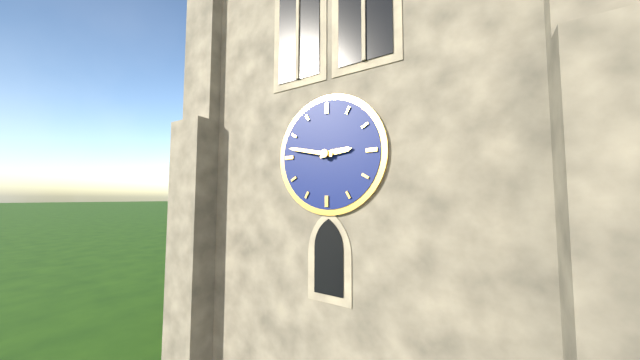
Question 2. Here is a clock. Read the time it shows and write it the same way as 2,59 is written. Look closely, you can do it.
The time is 2,47
